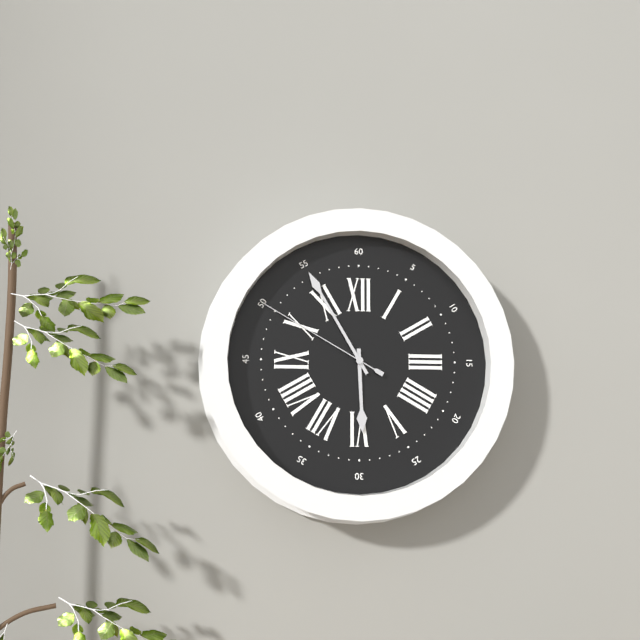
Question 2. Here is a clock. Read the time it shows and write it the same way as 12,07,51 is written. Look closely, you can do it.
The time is 5,55,50
